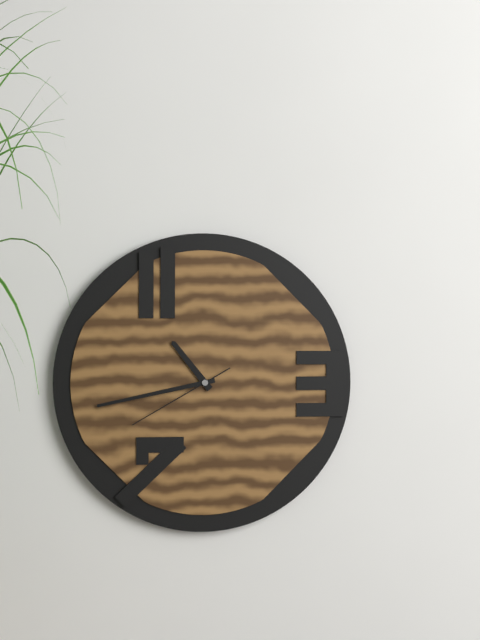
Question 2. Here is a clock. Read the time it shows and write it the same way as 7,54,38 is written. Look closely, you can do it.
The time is 10,43,40
